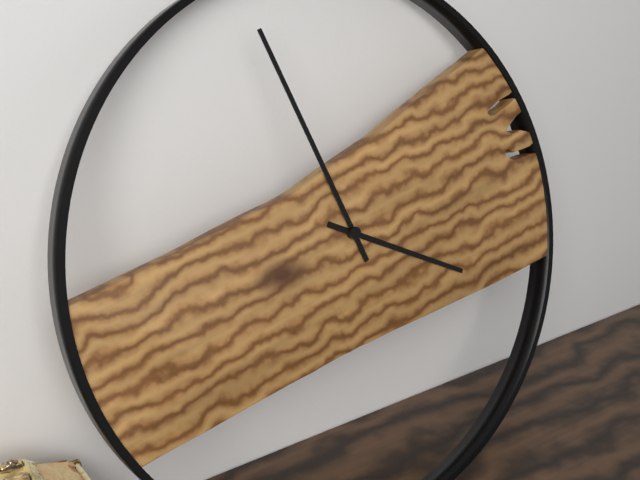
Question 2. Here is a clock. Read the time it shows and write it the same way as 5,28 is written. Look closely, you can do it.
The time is 3,57
